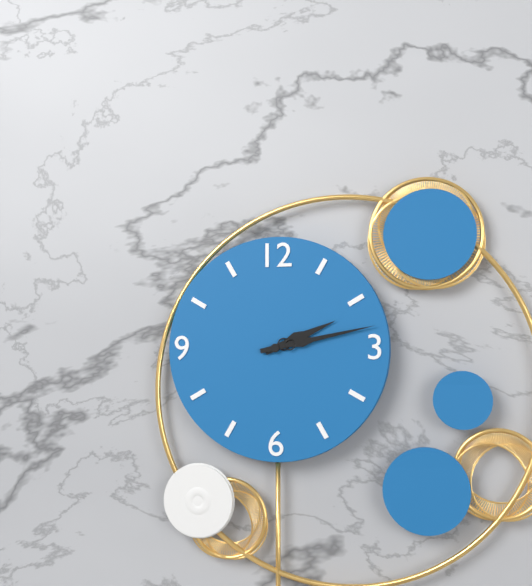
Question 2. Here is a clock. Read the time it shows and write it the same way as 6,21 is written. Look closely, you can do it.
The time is 2,13
